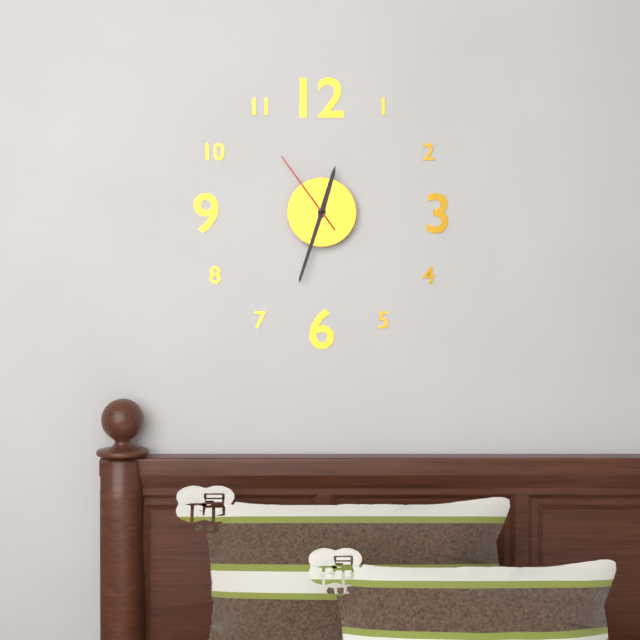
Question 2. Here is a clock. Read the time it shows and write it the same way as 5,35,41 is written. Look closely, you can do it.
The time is 12,33,54
